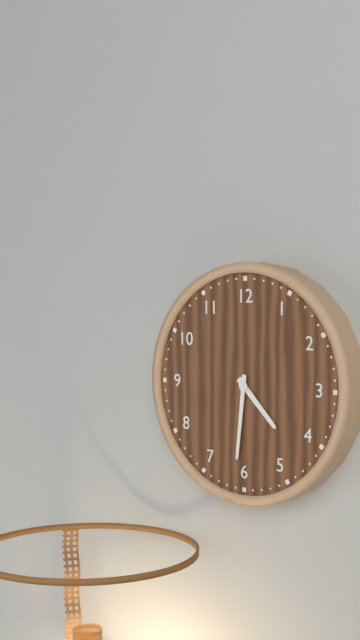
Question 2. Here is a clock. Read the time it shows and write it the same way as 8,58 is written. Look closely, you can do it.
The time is 4,31
